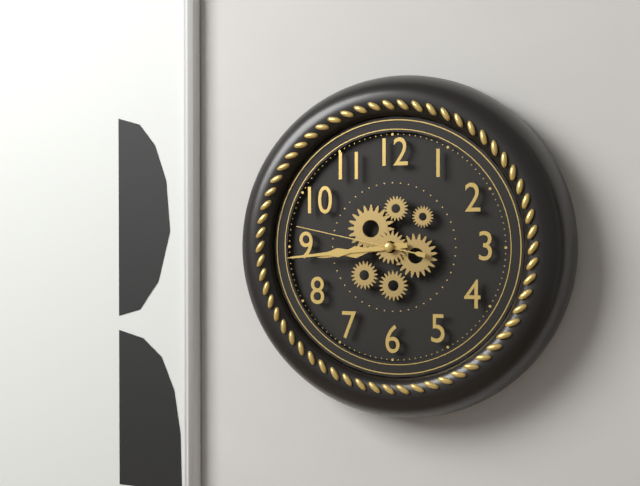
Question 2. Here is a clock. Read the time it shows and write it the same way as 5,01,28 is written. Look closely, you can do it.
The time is 8,44,47
